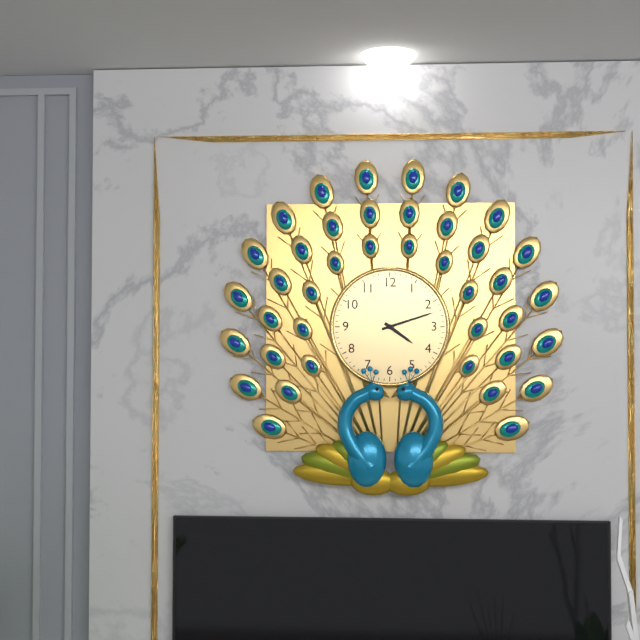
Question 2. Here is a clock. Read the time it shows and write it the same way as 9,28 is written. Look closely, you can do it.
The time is 4,12
